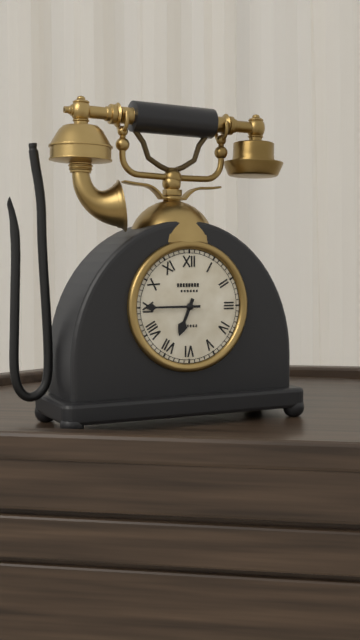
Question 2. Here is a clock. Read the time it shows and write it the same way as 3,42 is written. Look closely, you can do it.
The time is 6,45
